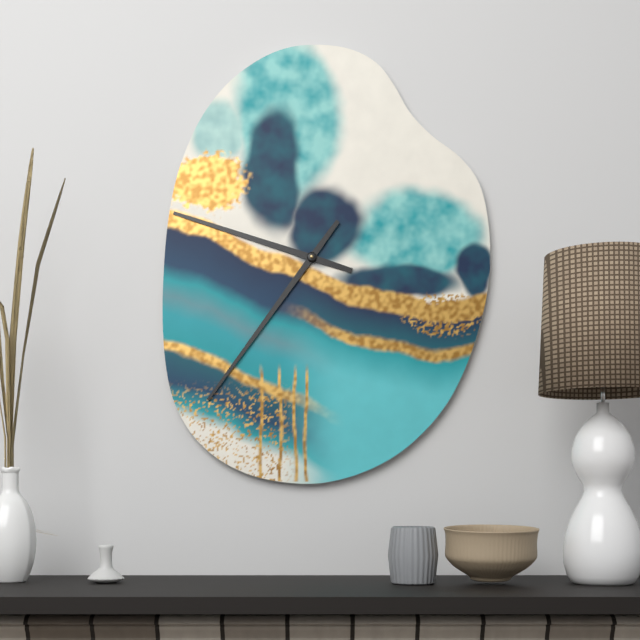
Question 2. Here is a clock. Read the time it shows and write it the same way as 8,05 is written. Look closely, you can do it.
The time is 9,36
